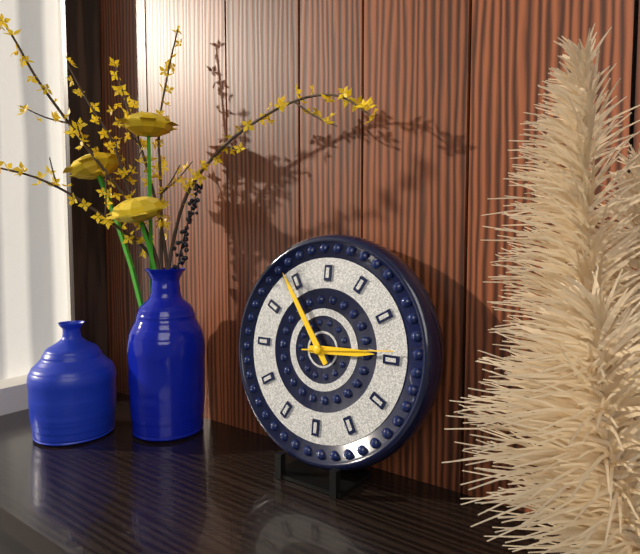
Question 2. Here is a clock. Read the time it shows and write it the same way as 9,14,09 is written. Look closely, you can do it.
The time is 2,54,14
